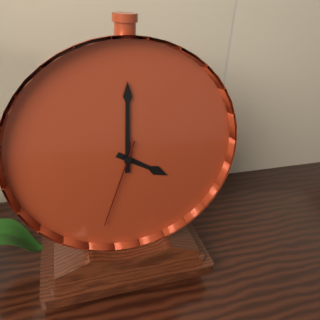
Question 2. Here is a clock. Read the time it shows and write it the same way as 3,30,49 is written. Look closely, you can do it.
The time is 4,00,33
